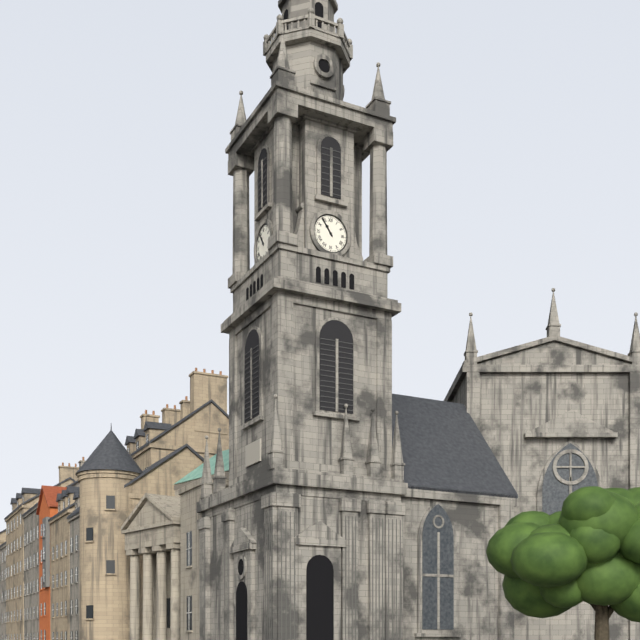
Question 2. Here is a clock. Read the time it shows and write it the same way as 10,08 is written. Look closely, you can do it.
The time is 10,54
